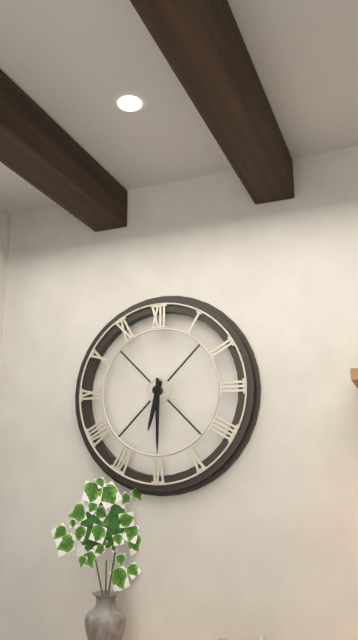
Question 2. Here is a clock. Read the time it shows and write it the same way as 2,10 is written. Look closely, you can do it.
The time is 6,30
